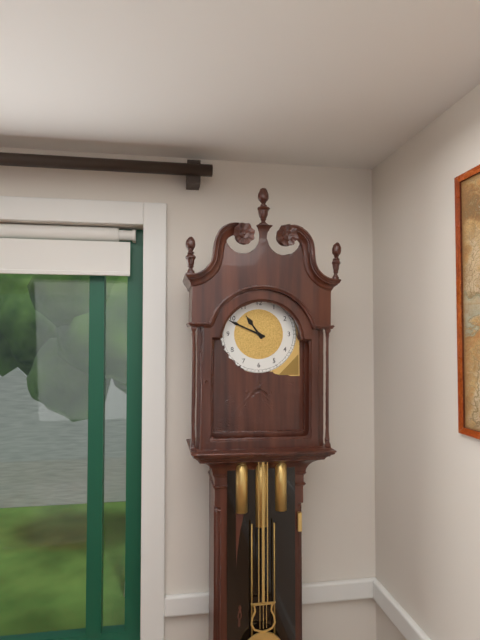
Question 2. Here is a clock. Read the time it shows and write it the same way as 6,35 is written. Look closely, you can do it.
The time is 10,49
